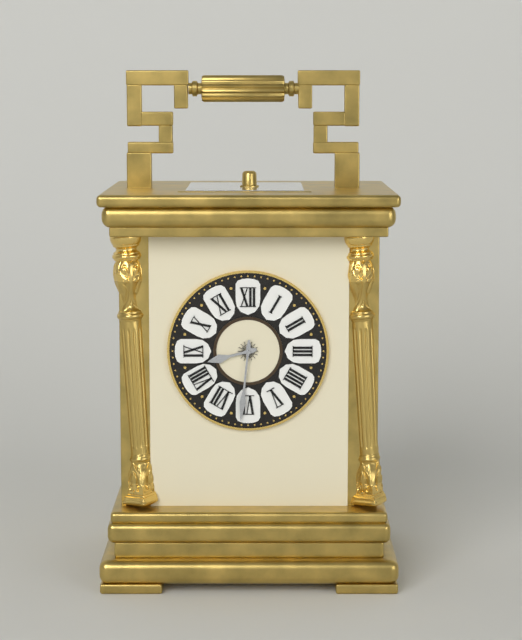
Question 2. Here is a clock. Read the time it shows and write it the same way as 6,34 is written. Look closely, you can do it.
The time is 8,31
